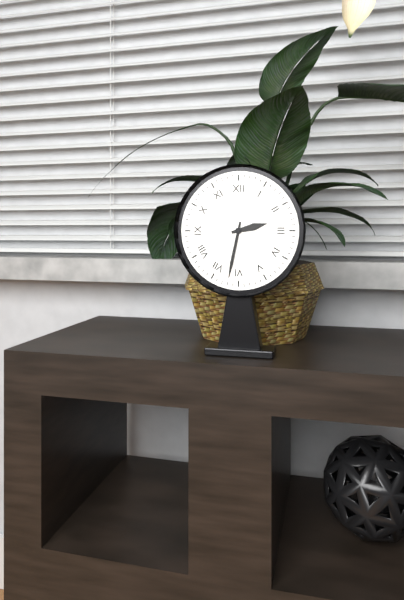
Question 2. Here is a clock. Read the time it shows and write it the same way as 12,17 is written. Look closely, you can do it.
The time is 2,32
